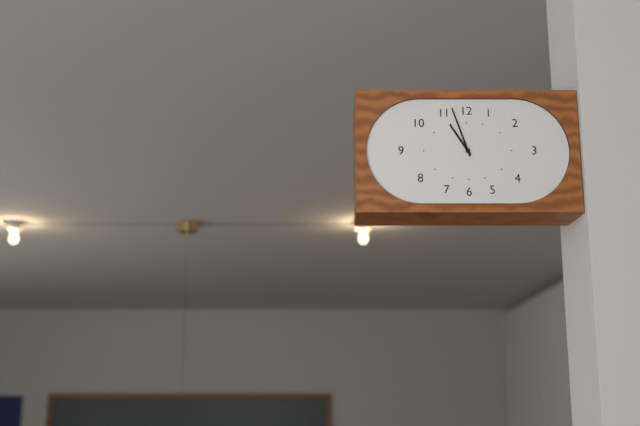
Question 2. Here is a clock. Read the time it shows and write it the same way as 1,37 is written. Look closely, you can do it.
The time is 10,57
